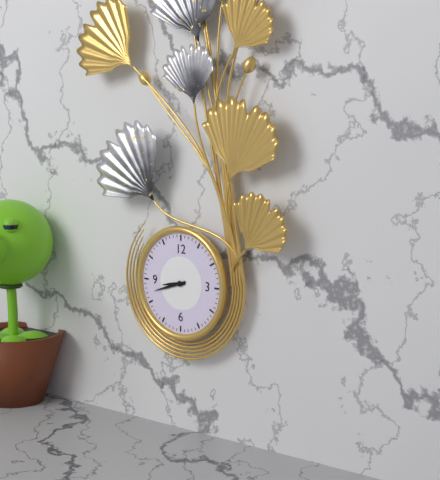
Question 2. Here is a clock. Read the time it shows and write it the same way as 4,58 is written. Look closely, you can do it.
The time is 8,42
